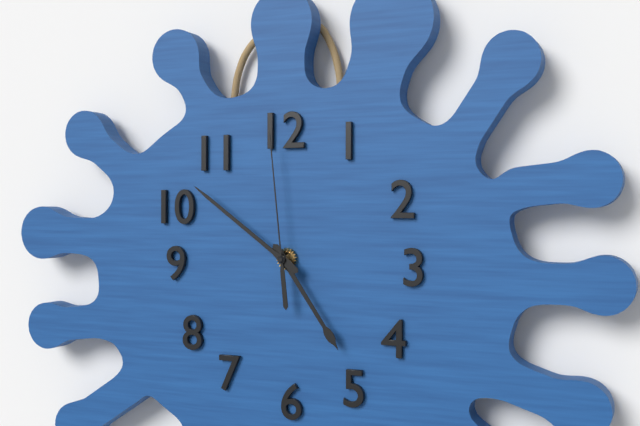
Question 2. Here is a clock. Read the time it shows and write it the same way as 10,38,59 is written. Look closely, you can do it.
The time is 4,51,59
